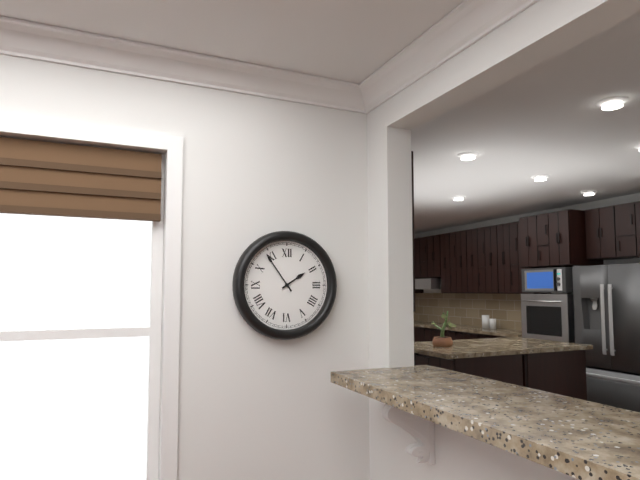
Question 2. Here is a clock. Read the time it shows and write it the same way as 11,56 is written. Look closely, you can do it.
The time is 1,54
